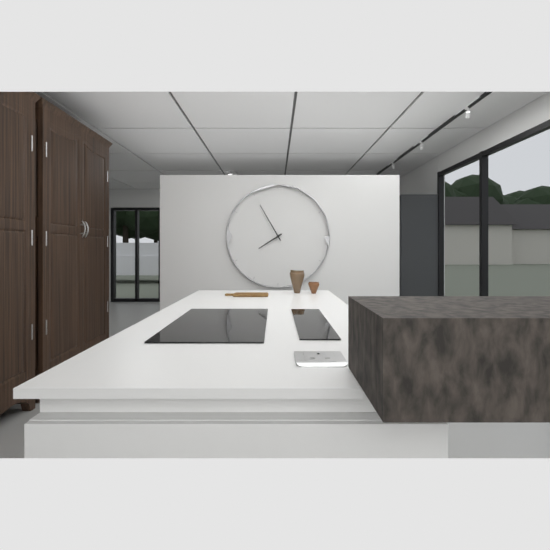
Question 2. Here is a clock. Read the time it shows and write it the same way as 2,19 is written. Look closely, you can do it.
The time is 7,55
